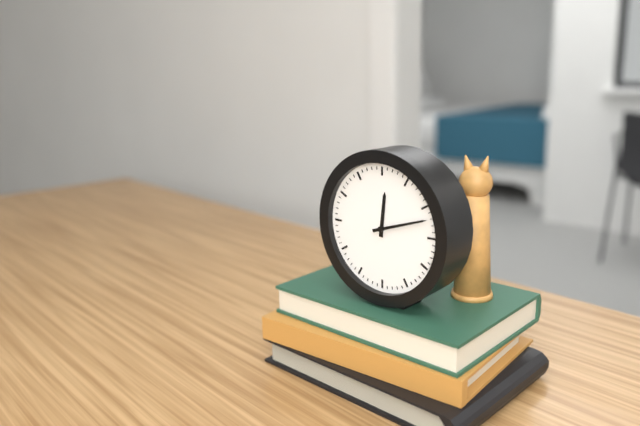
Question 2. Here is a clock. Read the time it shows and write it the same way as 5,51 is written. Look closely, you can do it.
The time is 12,12
